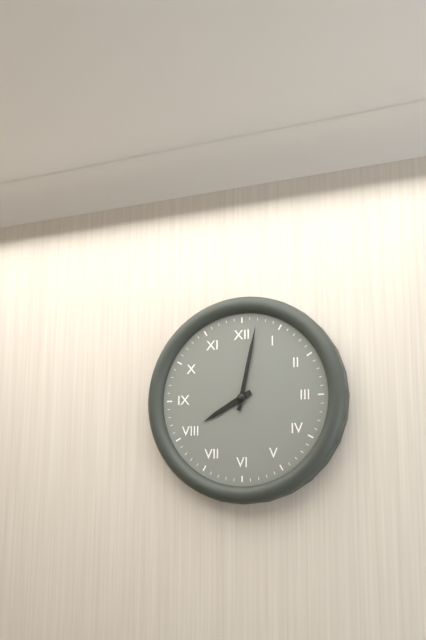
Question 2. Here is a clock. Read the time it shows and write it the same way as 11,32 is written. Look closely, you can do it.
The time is 8,02
